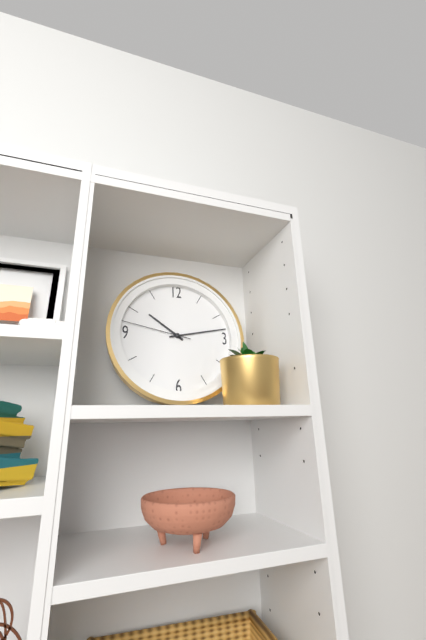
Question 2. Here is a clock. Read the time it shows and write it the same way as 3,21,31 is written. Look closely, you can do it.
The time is 10,13,47
